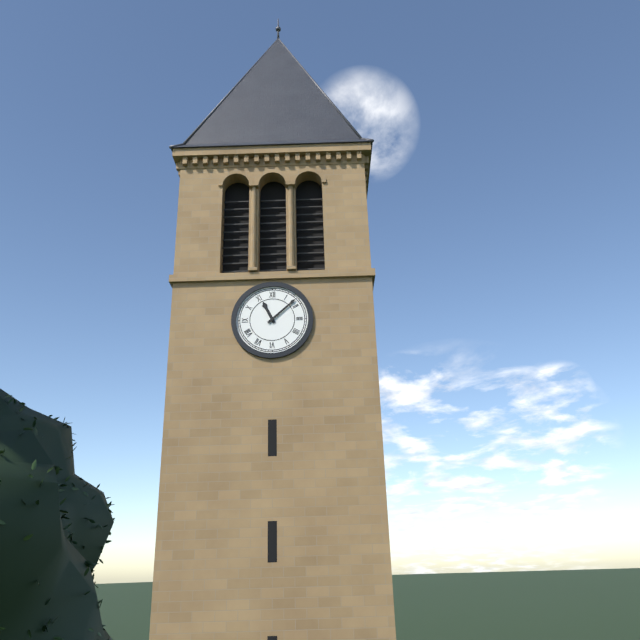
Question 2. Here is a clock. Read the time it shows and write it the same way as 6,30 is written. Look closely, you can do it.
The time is 11,08
